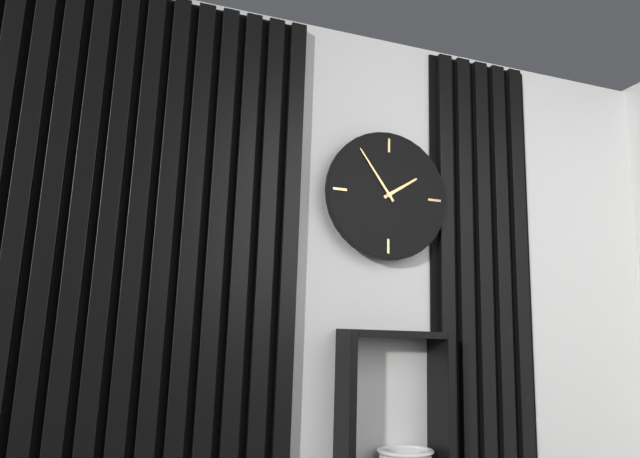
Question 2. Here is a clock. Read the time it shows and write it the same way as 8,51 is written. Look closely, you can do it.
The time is 1,54
